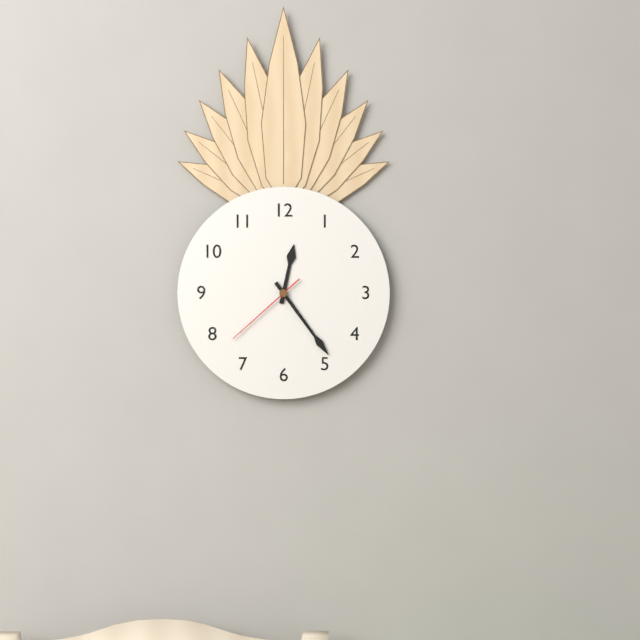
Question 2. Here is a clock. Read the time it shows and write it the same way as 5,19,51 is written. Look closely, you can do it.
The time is 12,24,38
